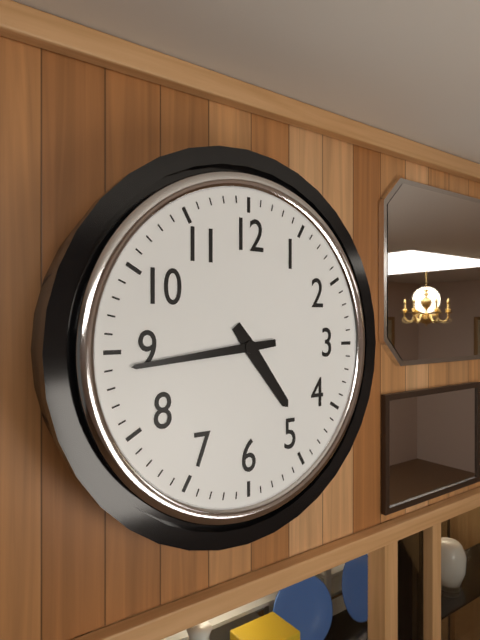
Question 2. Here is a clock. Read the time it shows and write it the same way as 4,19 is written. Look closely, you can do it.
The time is 4,44
